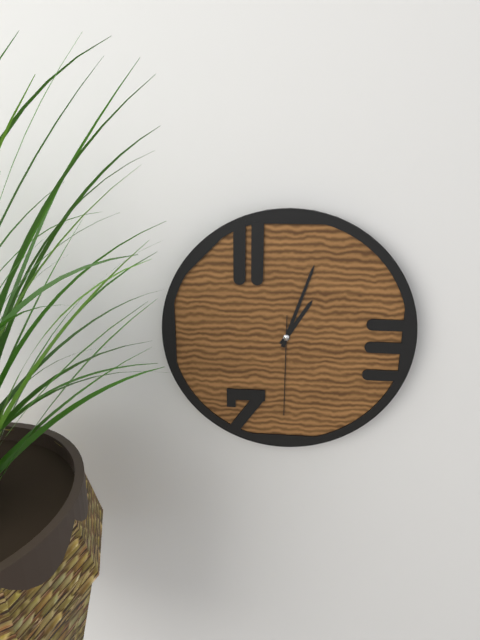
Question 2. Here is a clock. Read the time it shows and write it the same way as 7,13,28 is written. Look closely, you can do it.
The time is 1,03,30
